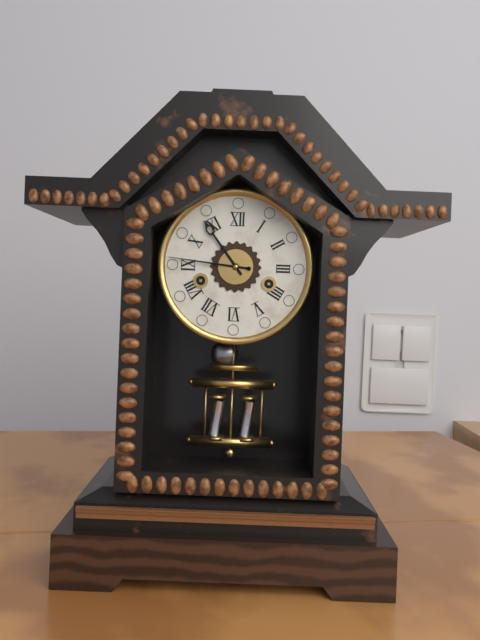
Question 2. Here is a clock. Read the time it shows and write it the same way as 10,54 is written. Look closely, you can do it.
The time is 10,46
